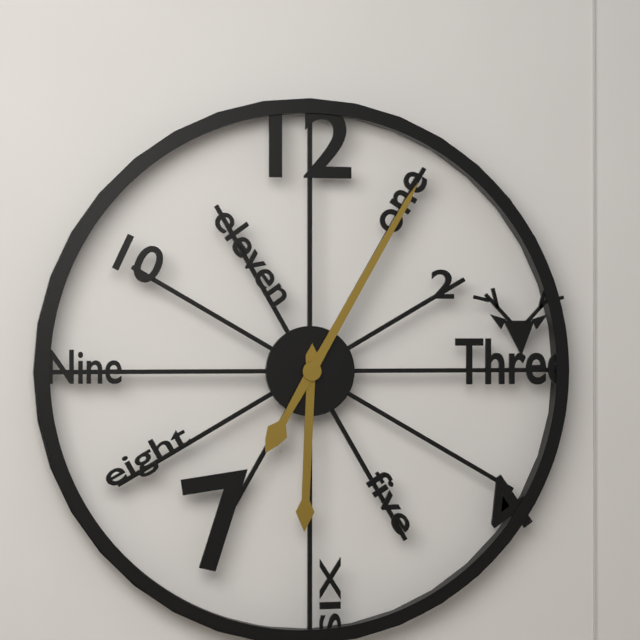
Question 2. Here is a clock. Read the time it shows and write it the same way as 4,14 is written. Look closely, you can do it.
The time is 6,05
